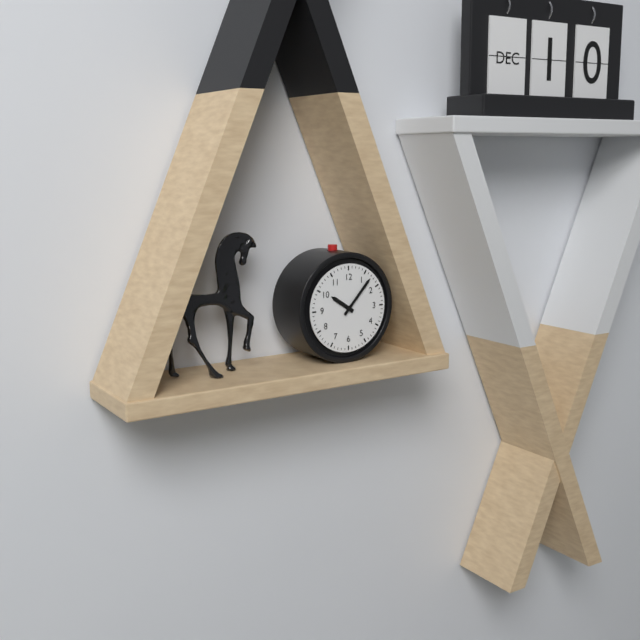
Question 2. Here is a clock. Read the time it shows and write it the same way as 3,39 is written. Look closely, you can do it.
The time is 10,07
